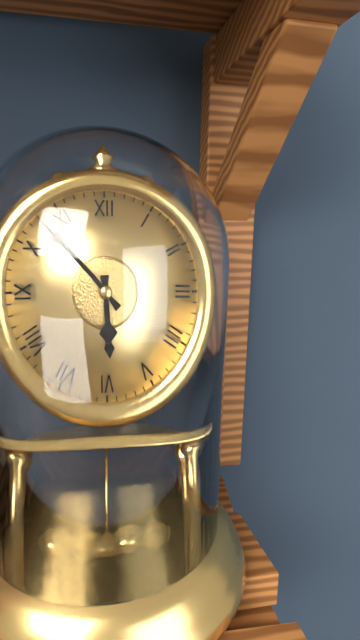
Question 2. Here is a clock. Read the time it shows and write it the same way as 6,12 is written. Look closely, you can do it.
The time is 5,53
